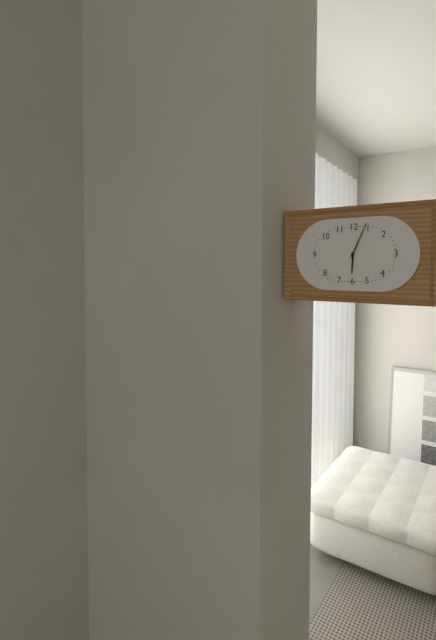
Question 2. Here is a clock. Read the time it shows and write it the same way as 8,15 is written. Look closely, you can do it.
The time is 6,04
